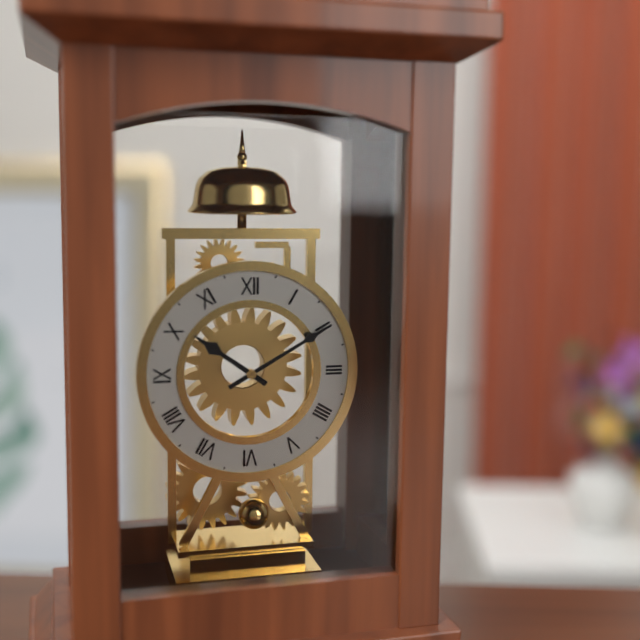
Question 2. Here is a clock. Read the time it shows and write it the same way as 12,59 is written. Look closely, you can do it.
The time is 10,10
